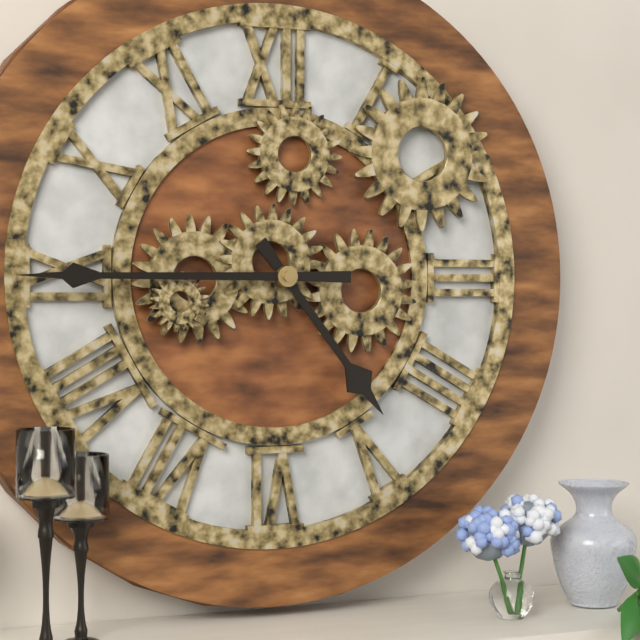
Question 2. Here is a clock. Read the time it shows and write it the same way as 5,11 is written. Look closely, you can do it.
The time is 4,45
